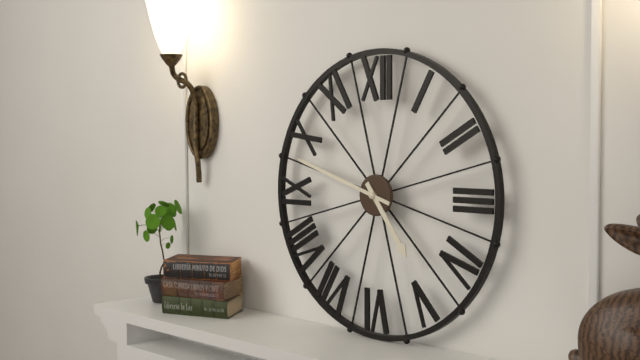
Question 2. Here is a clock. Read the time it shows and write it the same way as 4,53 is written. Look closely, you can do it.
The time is 4,48
